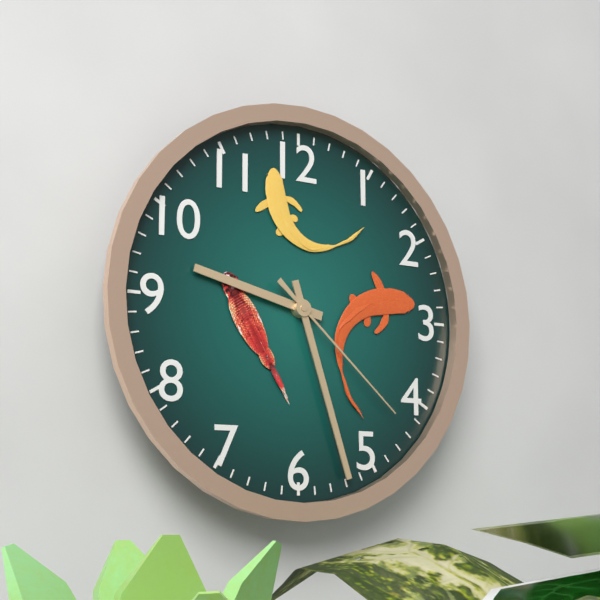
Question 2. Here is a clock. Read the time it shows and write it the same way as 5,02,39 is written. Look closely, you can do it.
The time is 9,27,22
